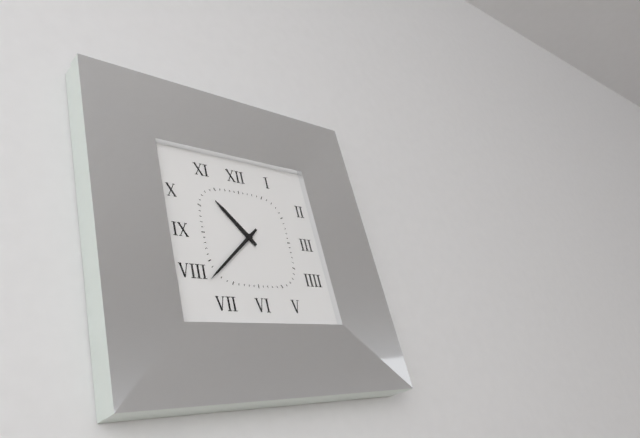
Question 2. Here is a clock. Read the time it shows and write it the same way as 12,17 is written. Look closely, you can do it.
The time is 10,38
